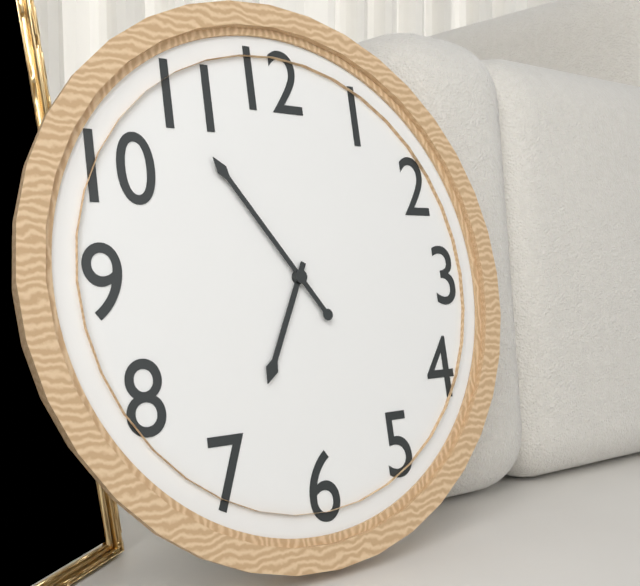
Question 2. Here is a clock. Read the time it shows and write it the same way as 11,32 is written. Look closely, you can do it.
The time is 6,54
